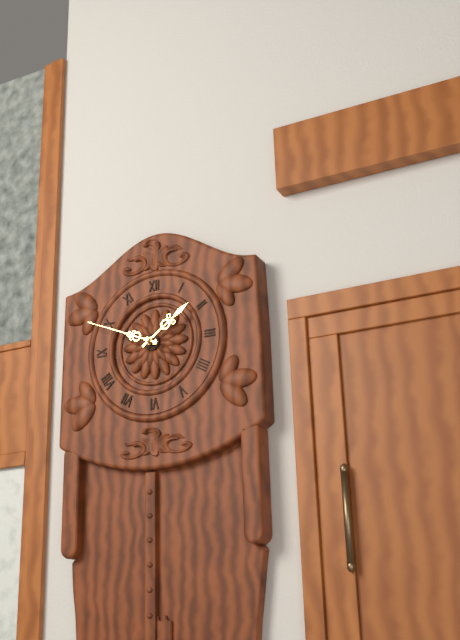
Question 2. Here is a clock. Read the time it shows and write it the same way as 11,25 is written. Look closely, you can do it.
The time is 1,49
